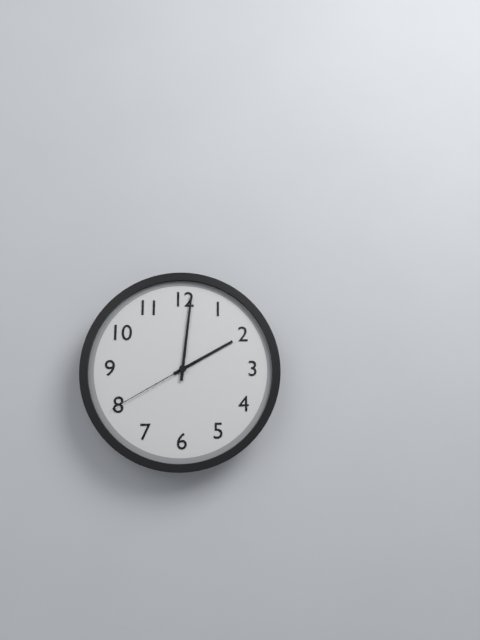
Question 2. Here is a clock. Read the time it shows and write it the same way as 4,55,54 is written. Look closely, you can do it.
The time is 2,01,40
